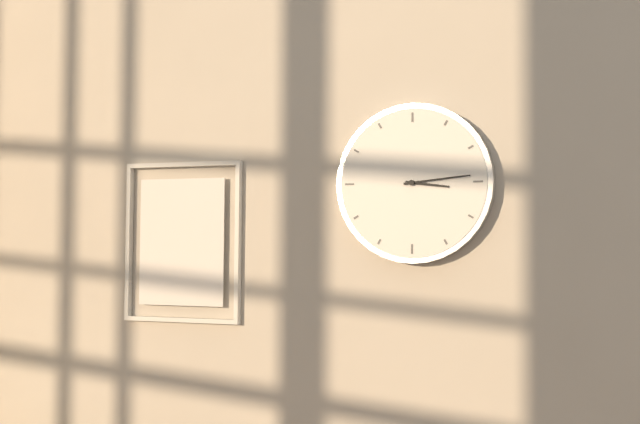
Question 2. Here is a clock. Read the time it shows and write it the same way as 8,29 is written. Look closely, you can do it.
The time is 3,14
